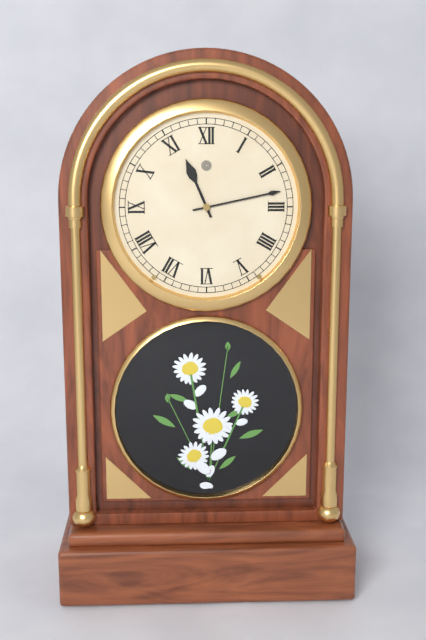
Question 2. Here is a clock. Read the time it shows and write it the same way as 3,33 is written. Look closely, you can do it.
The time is 11,13
